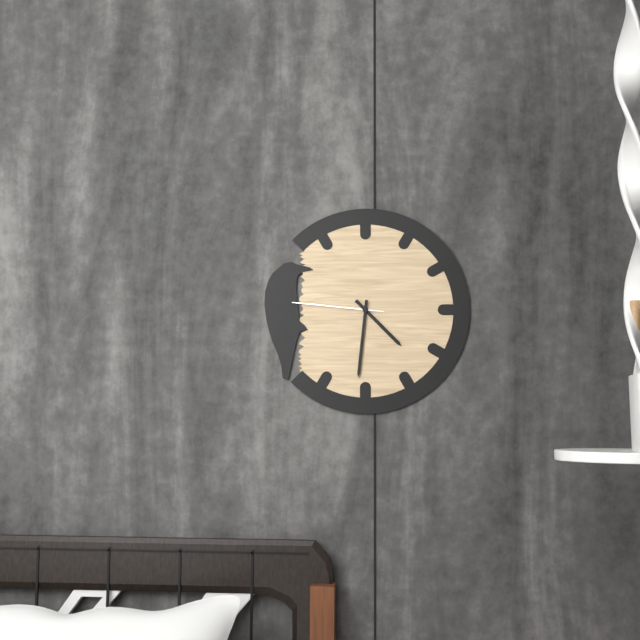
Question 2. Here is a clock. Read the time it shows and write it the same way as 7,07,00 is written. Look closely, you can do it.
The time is 4,31,46
